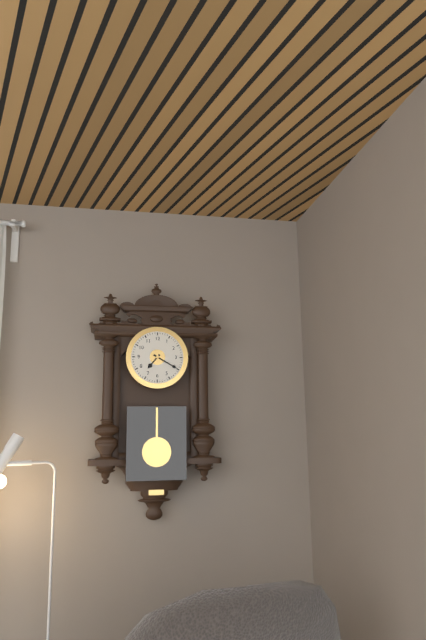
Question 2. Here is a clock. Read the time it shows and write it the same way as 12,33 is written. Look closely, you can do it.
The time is 7,20
